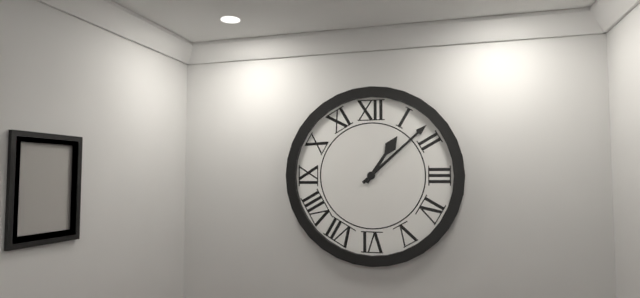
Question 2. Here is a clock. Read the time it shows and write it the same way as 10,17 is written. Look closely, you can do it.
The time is 1,08
